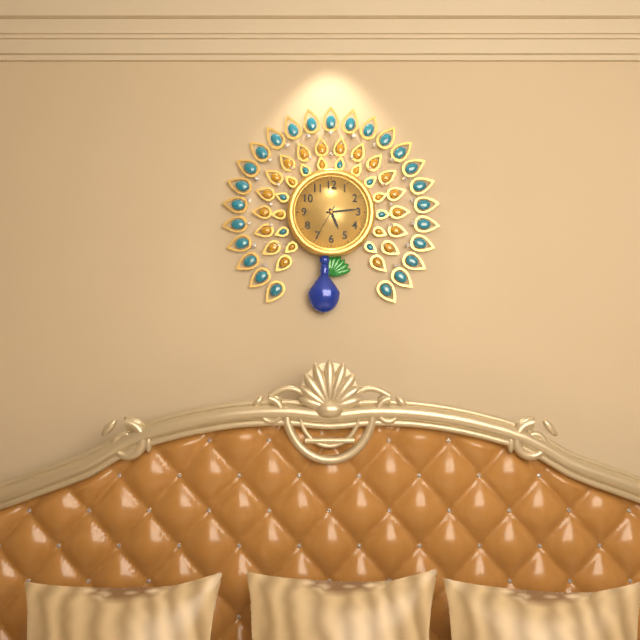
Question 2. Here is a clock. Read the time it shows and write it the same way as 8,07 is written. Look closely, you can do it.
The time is 5,14
